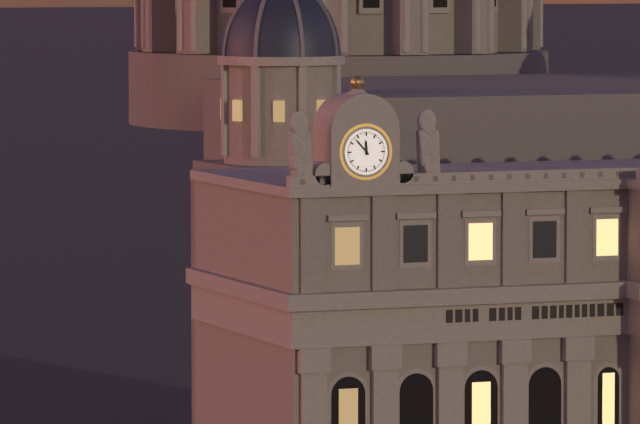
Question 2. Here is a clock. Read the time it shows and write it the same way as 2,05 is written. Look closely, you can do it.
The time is 11,53
